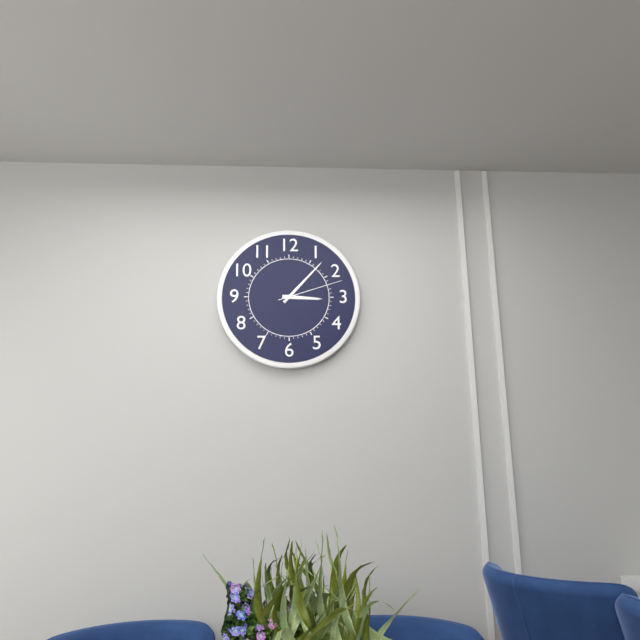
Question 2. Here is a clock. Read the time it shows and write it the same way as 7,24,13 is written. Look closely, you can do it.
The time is 3,07,12
